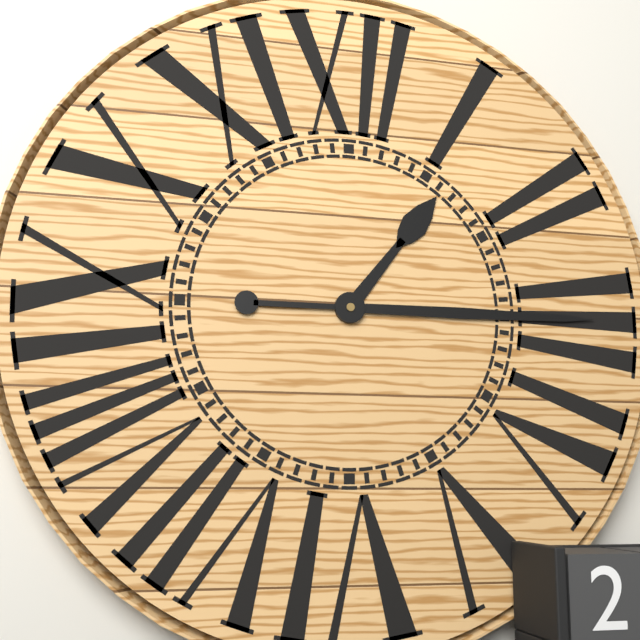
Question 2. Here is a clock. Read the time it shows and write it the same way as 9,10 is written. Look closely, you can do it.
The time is 1,15
